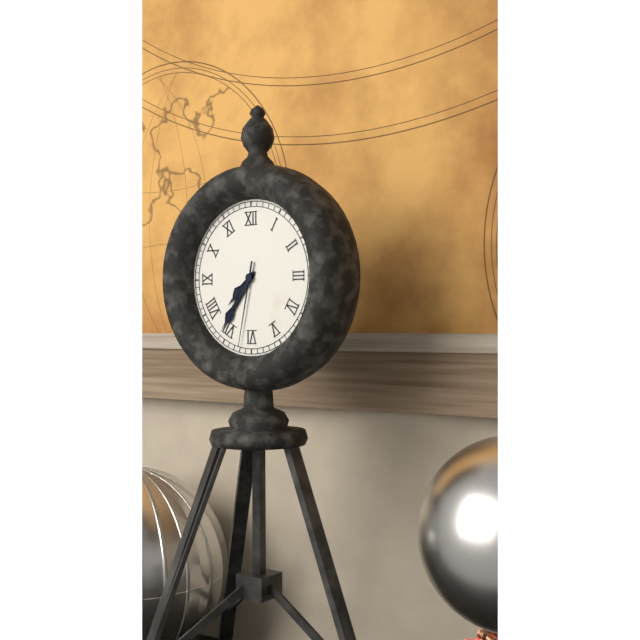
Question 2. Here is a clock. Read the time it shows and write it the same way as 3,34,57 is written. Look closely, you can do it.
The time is 7,36,32
